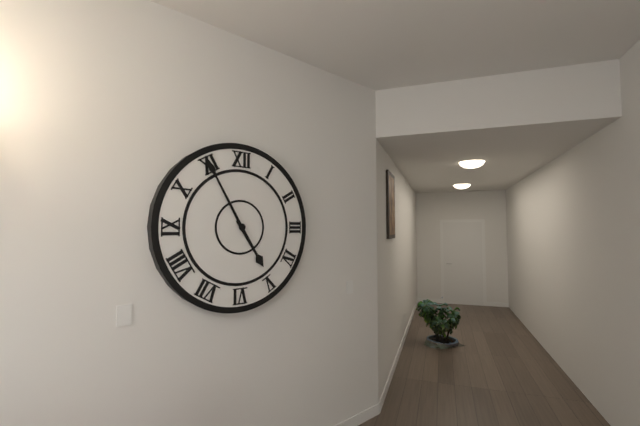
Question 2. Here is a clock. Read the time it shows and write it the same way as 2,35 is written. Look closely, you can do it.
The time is 4,55
